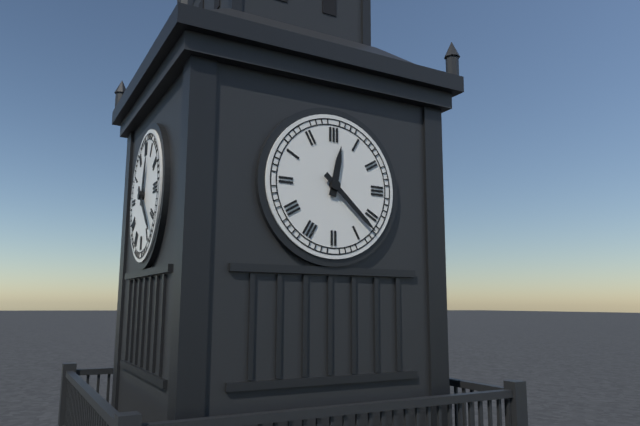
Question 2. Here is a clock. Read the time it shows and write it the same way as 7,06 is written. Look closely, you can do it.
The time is 12,22
